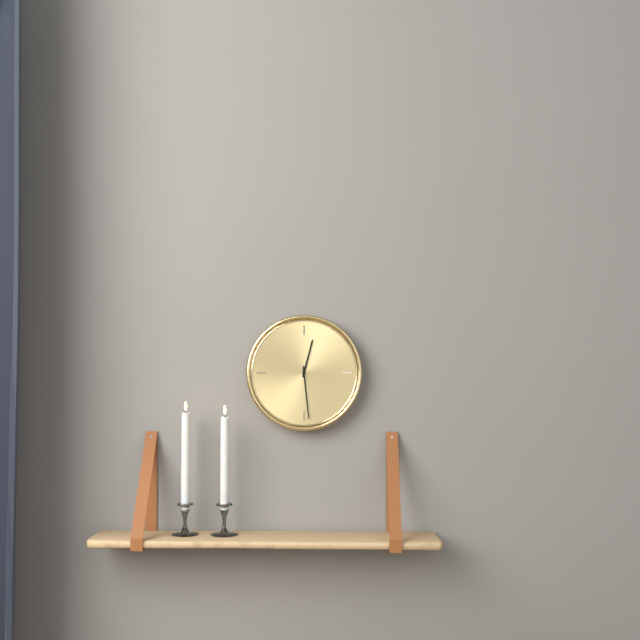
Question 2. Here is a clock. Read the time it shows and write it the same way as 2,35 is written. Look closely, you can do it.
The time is 12,29
